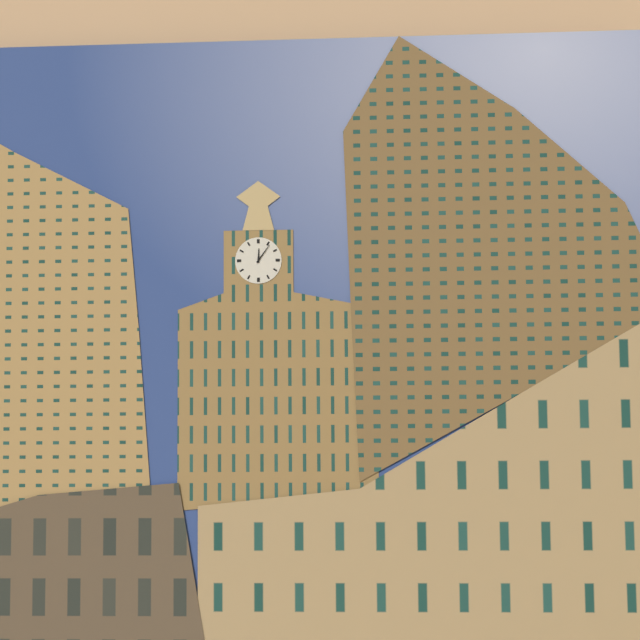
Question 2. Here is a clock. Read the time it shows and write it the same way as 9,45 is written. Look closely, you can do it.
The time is 12,06
